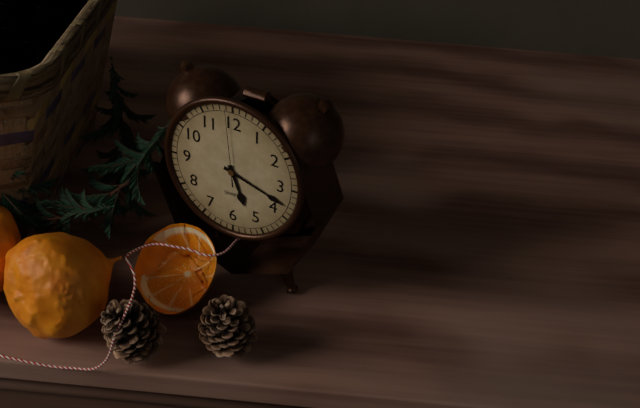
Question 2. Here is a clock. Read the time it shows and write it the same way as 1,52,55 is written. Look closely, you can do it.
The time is 5,18,59
